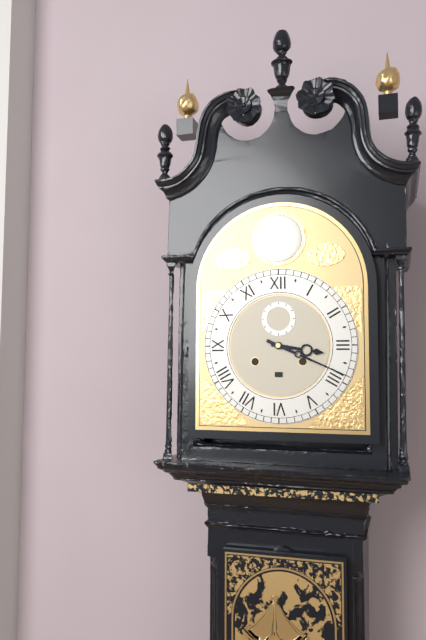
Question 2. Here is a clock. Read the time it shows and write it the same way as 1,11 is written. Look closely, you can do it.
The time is 3,19
